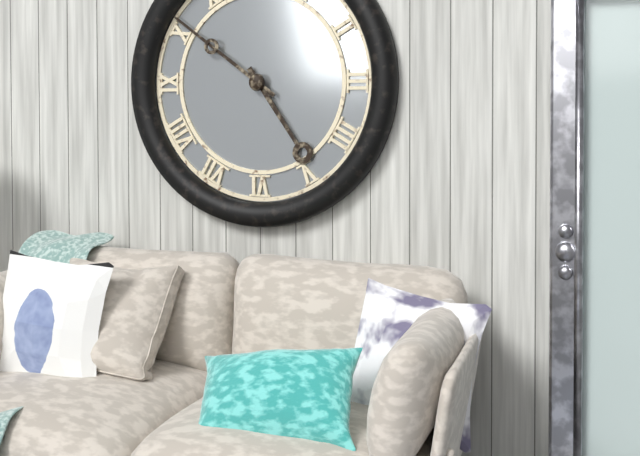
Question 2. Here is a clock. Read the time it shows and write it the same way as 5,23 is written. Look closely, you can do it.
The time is 4,51
